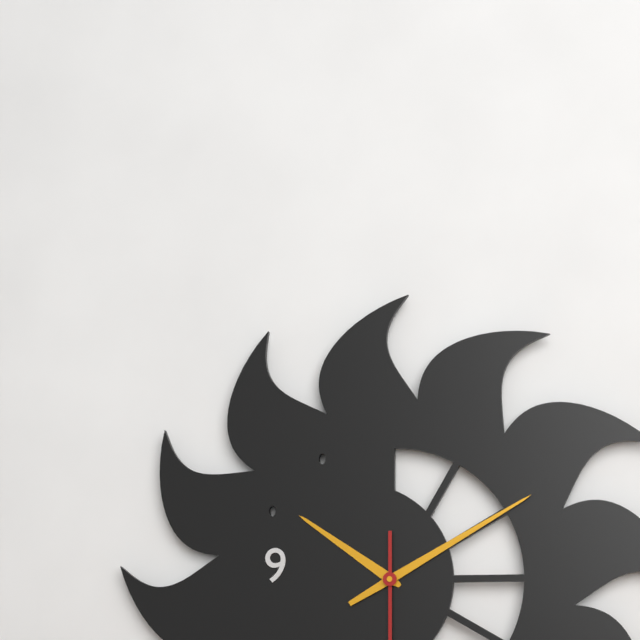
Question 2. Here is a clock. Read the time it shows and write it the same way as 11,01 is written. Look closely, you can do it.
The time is 10,10
